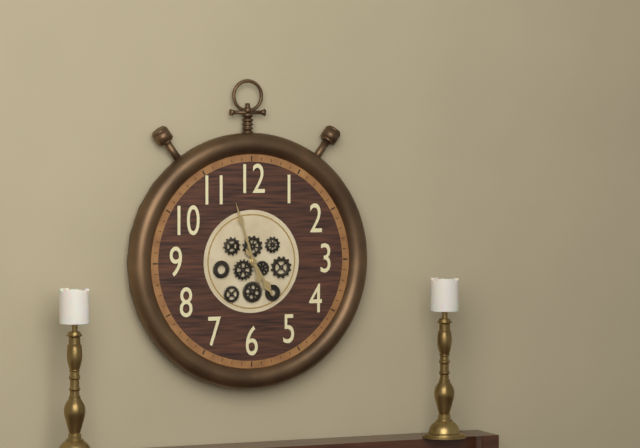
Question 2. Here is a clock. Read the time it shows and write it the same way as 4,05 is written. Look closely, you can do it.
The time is 4,57
